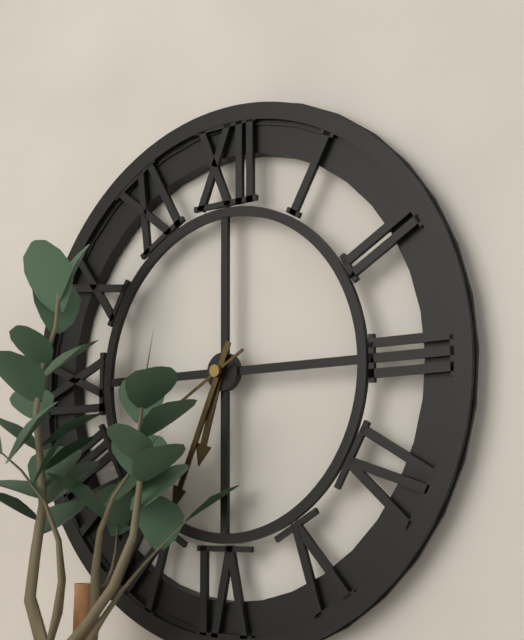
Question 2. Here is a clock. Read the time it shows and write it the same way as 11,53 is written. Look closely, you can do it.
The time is 6,34
